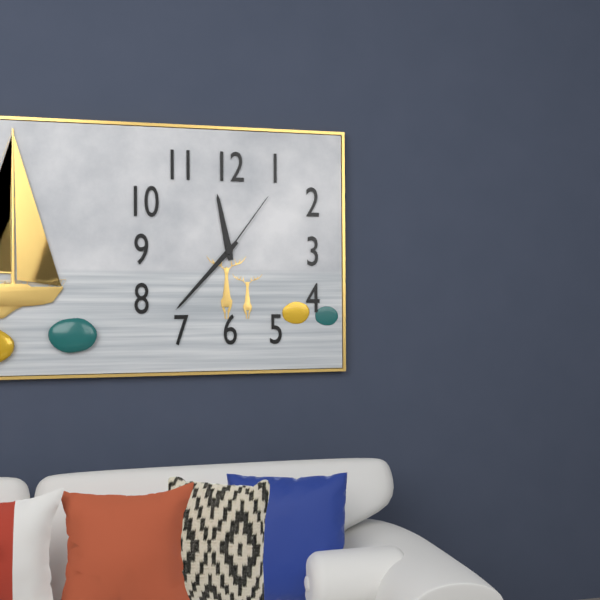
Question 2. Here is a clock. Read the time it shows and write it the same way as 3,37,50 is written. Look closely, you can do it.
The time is 11,37,06
